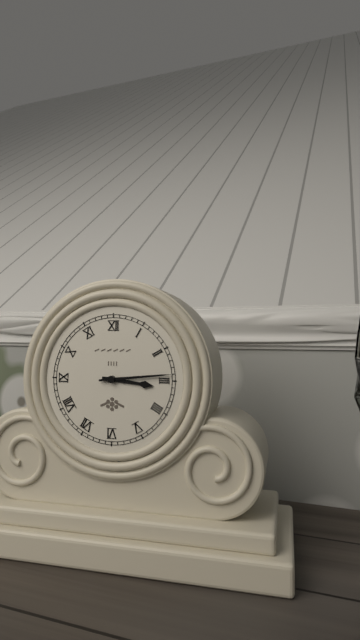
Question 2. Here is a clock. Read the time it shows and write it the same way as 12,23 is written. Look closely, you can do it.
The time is 3,14
